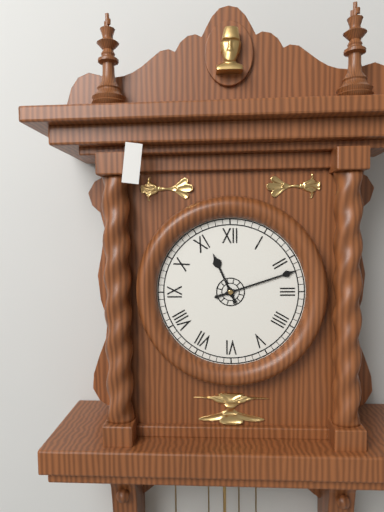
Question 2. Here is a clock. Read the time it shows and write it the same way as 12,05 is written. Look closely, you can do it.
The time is 11,12
